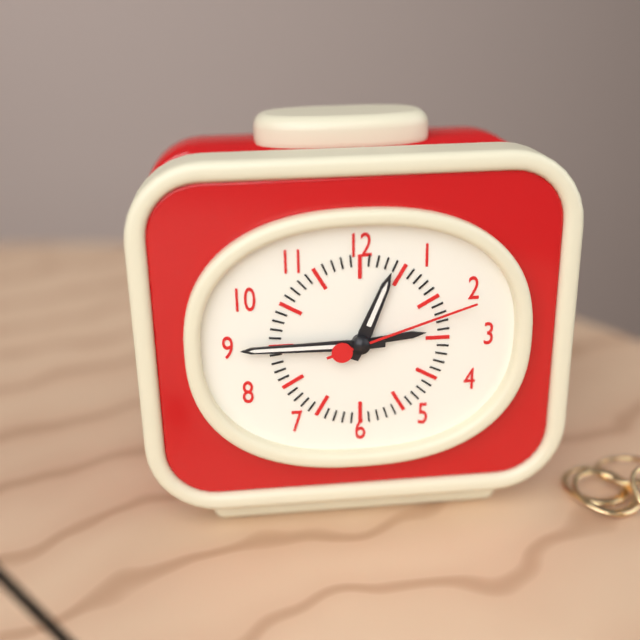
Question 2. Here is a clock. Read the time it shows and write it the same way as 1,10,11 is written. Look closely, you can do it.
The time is 12,45,12
